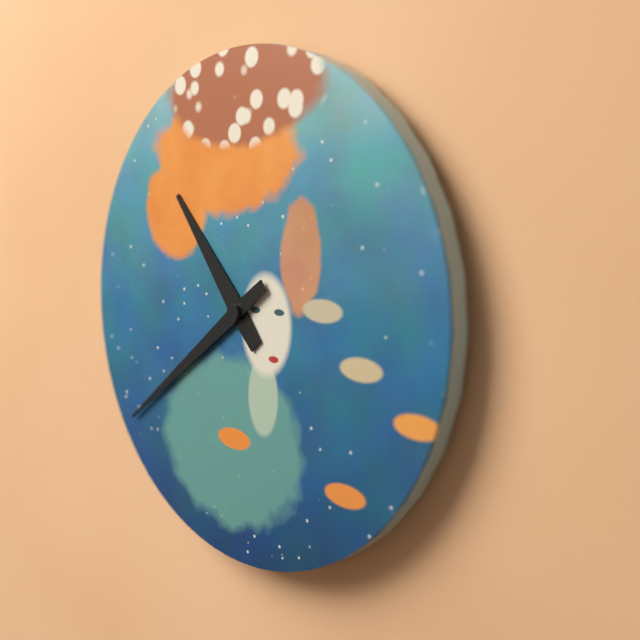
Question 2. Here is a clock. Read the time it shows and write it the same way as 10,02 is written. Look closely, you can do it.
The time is 10,39
